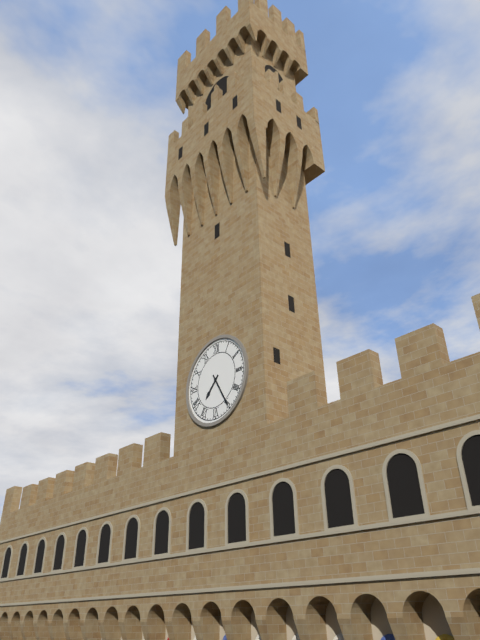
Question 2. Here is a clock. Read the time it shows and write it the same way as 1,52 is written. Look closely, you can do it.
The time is 7,25
